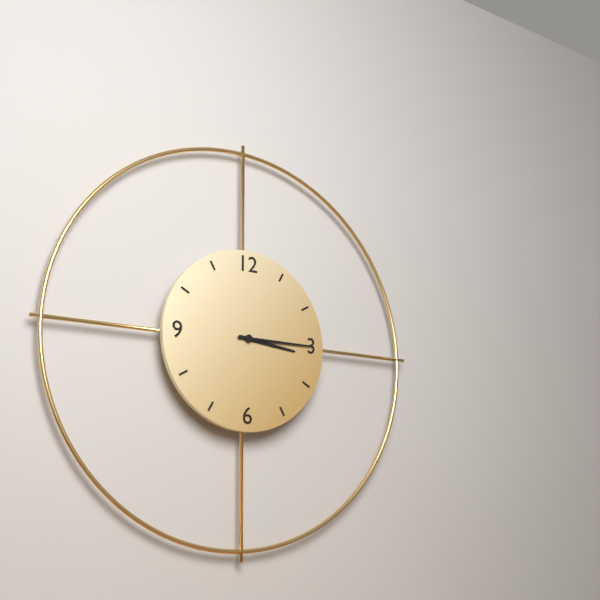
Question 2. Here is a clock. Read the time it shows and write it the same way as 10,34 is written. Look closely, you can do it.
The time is 3,15
